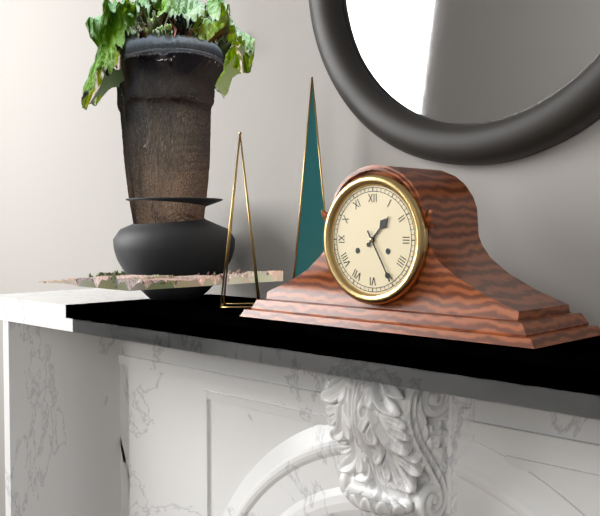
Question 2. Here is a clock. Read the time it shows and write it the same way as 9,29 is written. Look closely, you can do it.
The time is 1,25
